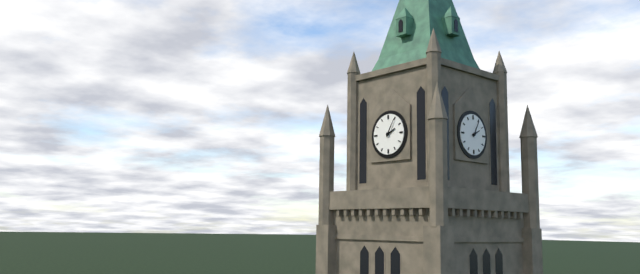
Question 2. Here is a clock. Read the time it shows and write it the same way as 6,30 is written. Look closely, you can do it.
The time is 2,05
